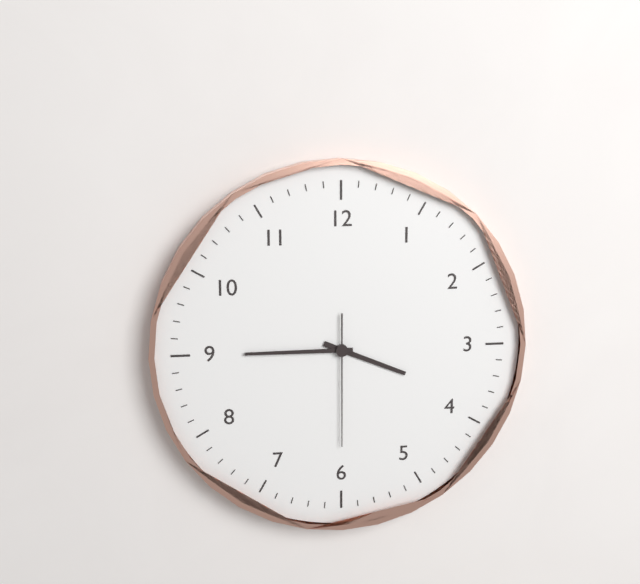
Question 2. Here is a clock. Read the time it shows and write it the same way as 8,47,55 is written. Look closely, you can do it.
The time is 3,45,30
